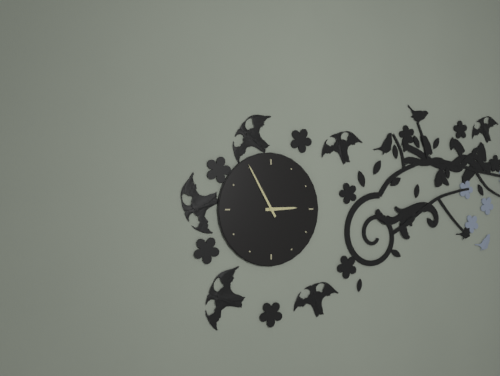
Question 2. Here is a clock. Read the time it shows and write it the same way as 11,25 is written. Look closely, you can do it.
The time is 2,55
